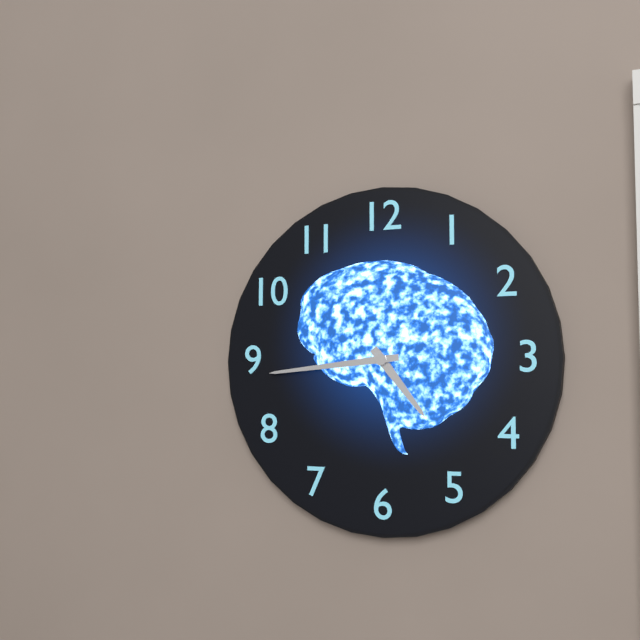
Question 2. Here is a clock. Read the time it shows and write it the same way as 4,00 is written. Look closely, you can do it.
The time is 4,44
